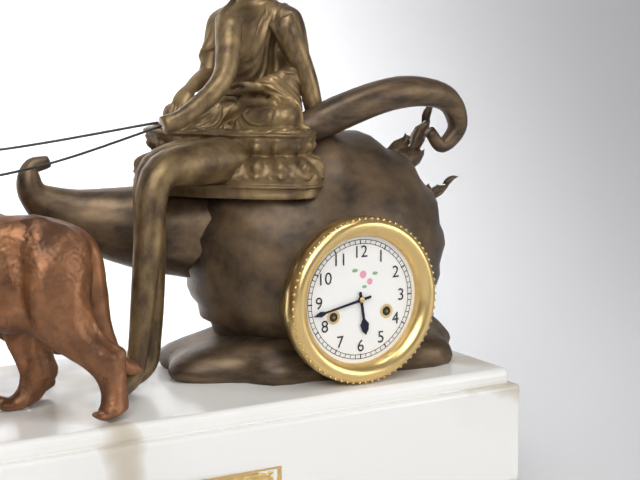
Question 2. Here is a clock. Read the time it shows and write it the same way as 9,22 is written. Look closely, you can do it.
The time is 5,43
